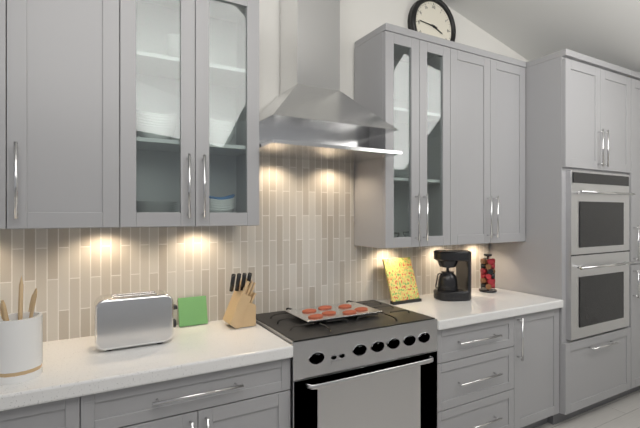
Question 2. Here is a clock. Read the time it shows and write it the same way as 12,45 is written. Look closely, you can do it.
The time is 3,46
